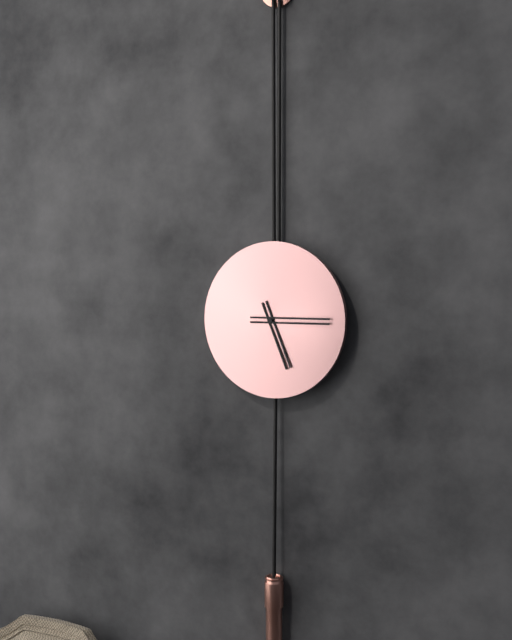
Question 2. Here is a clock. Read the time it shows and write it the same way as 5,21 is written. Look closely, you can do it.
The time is 5,15
